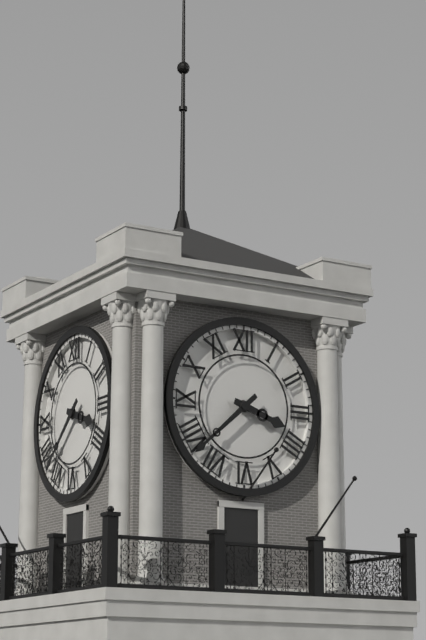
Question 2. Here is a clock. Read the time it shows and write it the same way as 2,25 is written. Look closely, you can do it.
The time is 3,38
